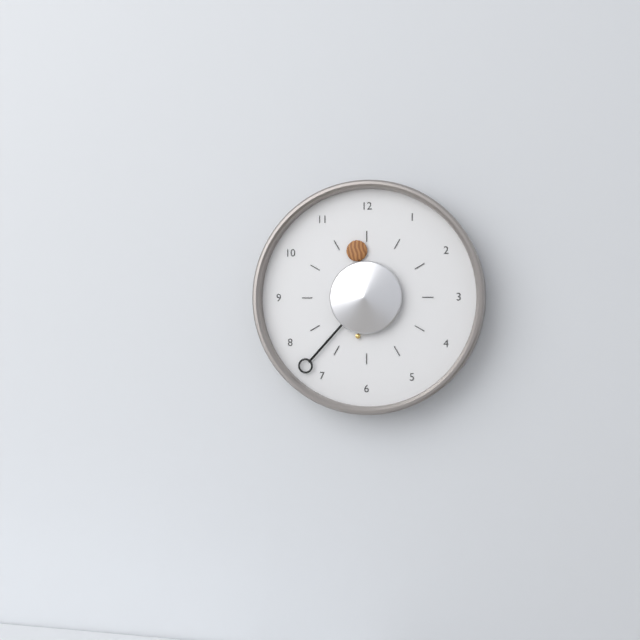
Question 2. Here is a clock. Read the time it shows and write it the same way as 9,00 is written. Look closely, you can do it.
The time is 11,37
